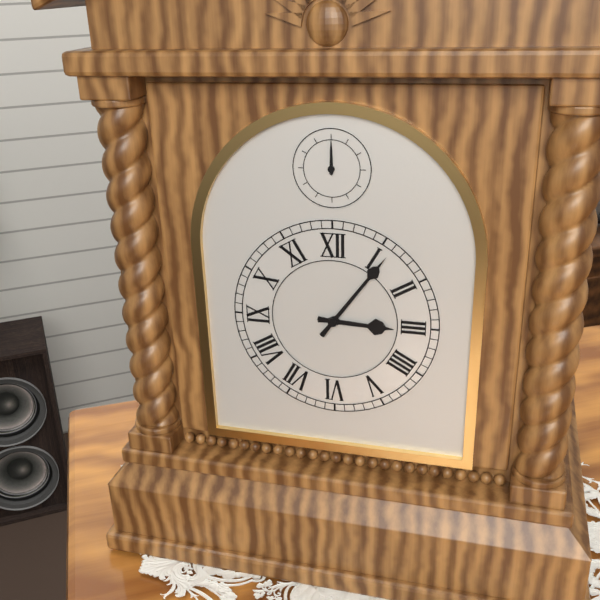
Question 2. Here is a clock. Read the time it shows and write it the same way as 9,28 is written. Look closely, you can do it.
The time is 3,06
